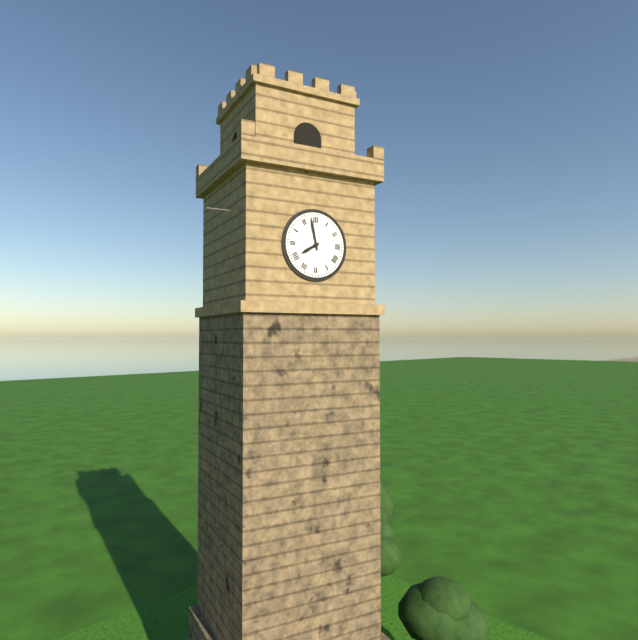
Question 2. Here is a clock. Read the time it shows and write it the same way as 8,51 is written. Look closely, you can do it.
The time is 7,58
